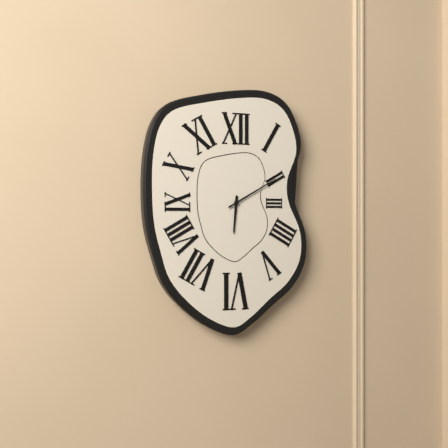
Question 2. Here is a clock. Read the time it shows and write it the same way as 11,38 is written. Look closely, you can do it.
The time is 6,10
